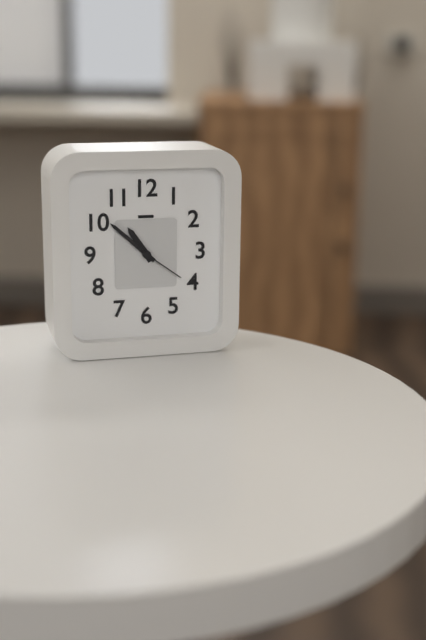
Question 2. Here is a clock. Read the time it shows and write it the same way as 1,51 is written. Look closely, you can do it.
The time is 10,52
